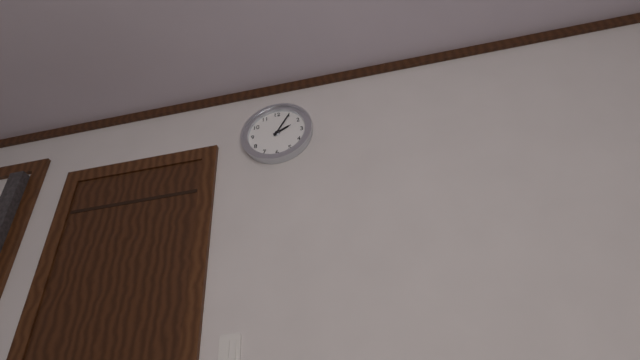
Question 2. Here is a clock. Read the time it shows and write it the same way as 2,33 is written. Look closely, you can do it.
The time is 2,05
